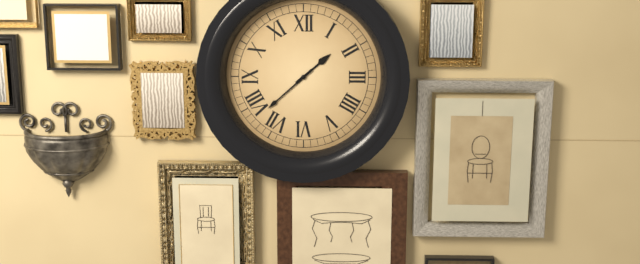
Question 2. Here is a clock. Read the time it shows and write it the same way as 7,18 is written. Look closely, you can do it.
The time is 1,38
